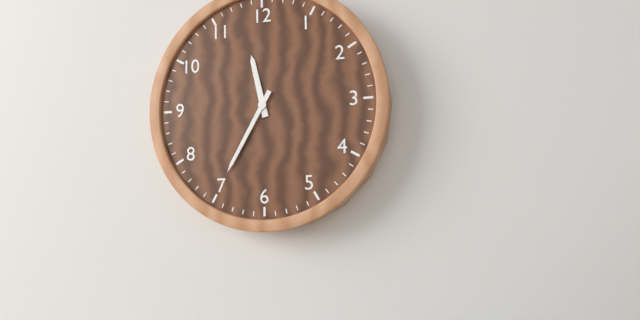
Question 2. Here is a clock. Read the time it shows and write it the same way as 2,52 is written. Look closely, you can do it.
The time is 11,35
